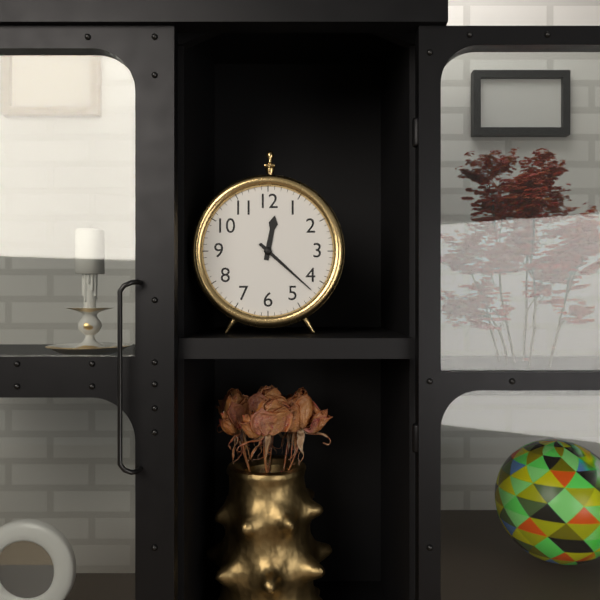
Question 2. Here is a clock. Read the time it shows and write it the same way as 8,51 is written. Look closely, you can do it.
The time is 12,22
